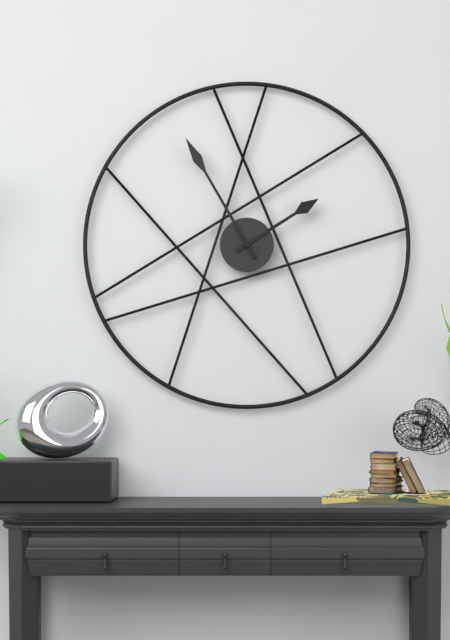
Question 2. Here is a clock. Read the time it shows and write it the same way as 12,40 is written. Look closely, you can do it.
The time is 1,55
